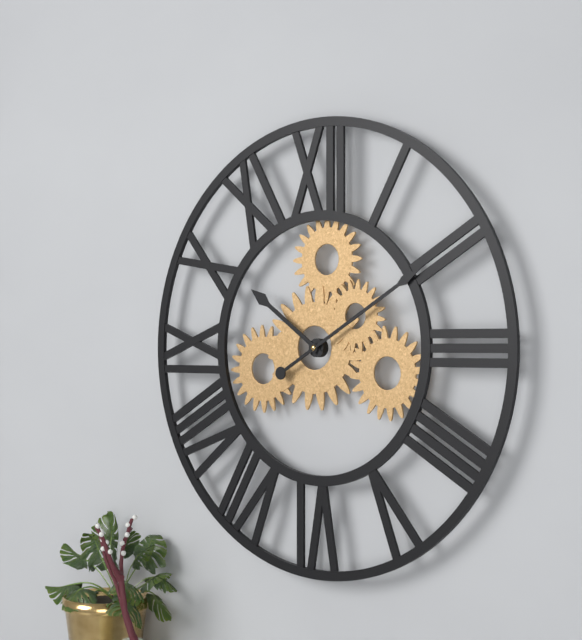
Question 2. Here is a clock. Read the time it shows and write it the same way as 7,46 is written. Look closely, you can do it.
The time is 10,10
